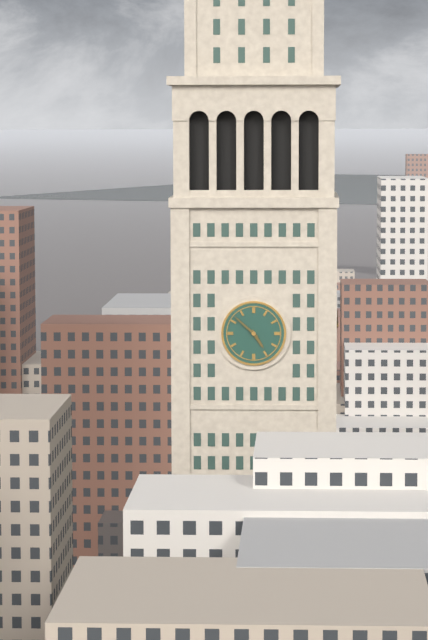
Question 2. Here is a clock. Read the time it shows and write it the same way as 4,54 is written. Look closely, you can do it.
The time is 4,52
